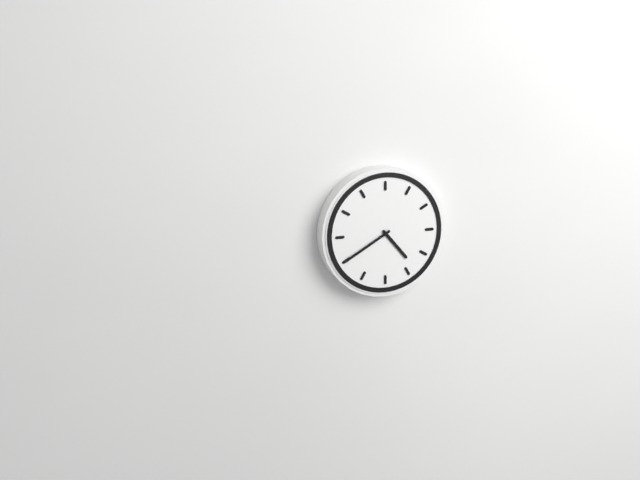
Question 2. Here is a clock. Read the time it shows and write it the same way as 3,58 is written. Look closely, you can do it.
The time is 4,40
